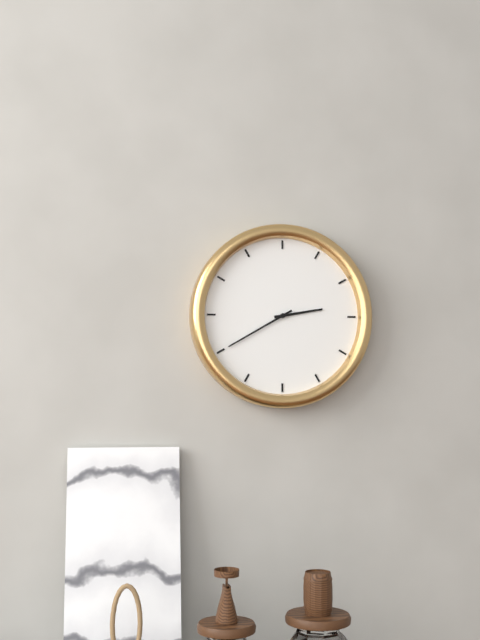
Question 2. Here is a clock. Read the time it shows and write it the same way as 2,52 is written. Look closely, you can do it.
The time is 2,40
